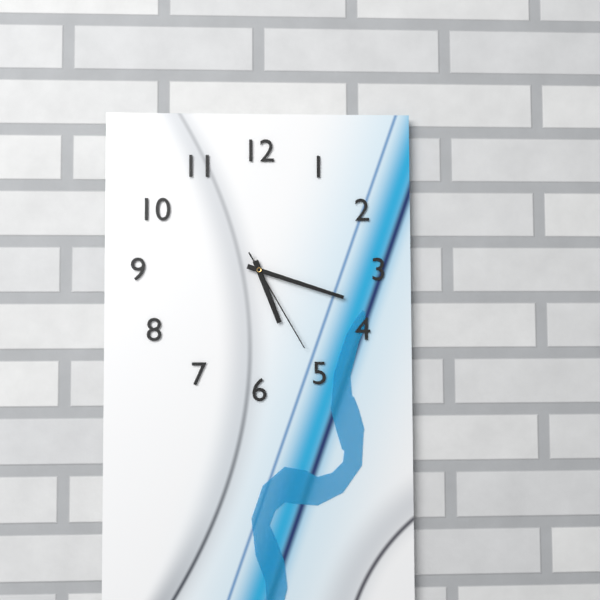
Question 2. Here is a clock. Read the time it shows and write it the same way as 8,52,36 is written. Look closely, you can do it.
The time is 5,18,25
